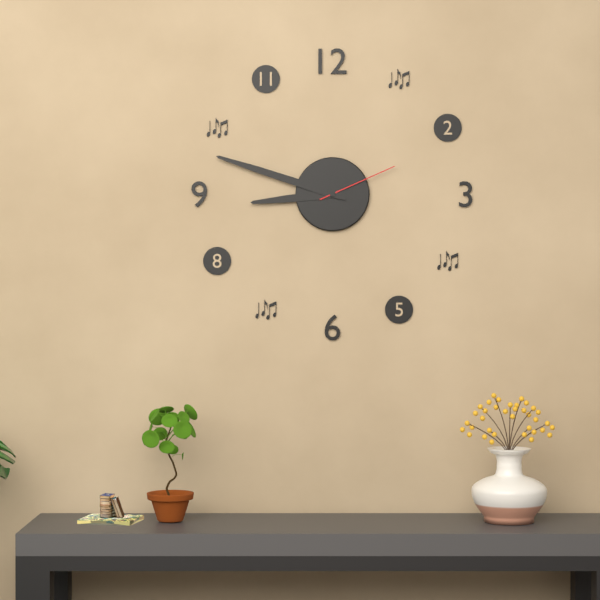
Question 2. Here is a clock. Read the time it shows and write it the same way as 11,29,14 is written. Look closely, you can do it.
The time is 8,48,11
